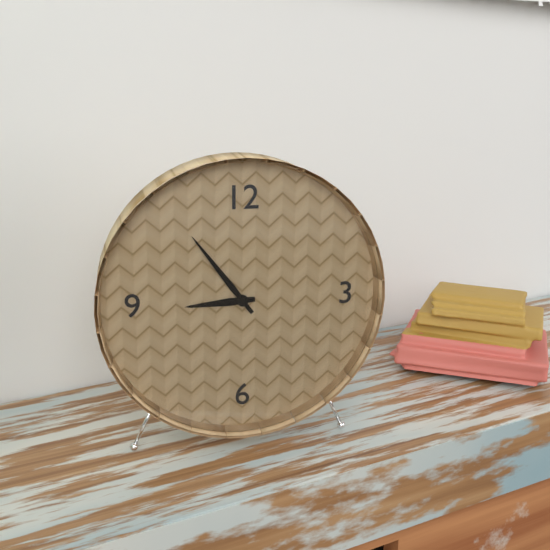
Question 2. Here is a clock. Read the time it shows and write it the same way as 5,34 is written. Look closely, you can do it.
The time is 8,54
